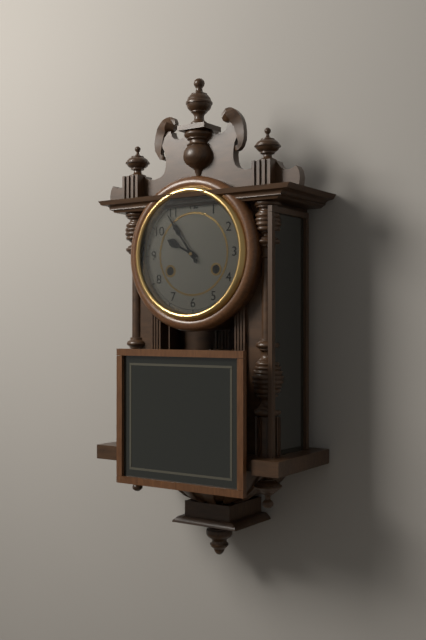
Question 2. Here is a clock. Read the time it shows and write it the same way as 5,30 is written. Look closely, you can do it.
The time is 9,54
